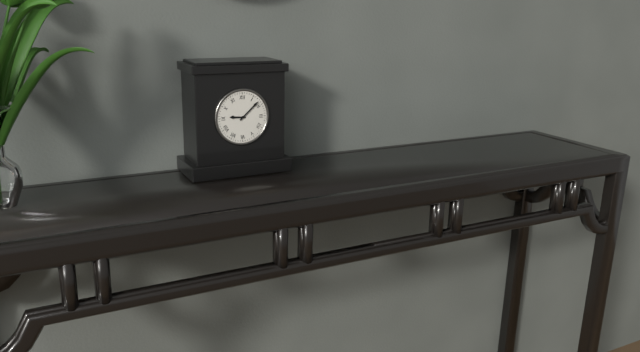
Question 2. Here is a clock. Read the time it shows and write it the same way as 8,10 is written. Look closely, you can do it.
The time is 9,08
